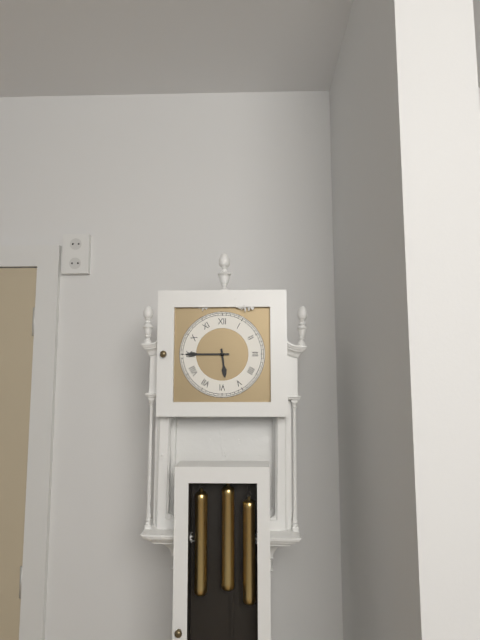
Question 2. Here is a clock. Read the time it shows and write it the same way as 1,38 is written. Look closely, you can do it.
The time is 5,45
